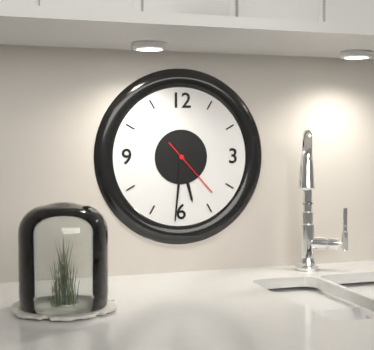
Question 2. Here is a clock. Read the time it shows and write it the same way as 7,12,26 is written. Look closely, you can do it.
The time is 5,31,23
